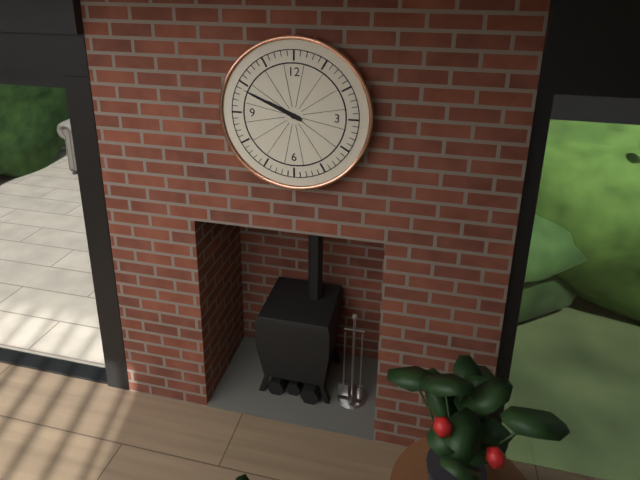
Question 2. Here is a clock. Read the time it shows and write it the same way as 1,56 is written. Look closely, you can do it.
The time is 9,49
